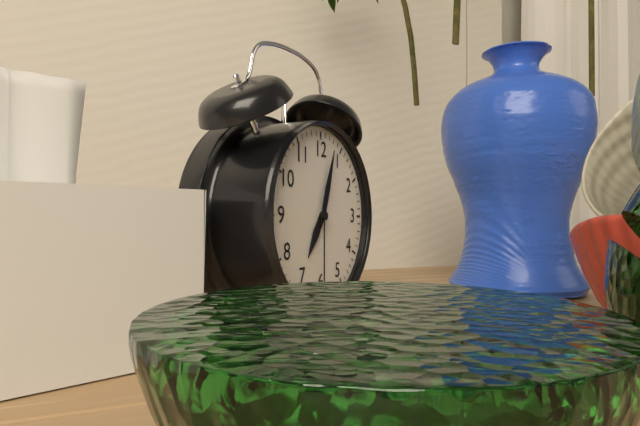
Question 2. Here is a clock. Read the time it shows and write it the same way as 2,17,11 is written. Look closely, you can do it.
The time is 7,03,30
